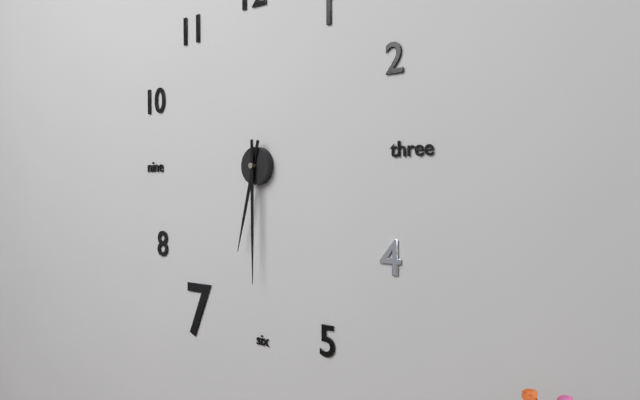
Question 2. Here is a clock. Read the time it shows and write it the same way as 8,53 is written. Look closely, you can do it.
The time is 6,30
